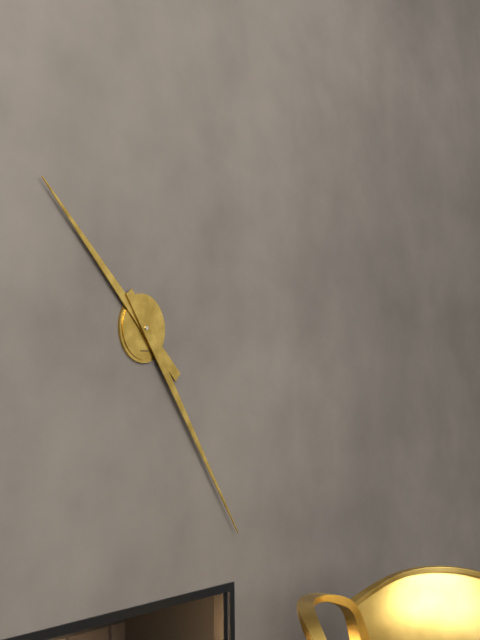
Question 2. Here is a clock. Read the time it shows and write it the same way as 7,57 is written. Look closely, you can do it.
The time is 10,24
